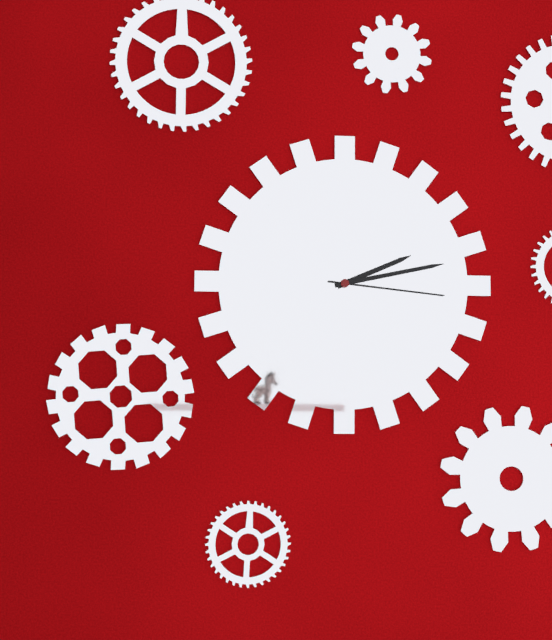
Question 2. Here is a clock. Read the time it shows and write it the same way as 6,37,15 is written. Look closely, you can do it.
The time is 2,13,16
